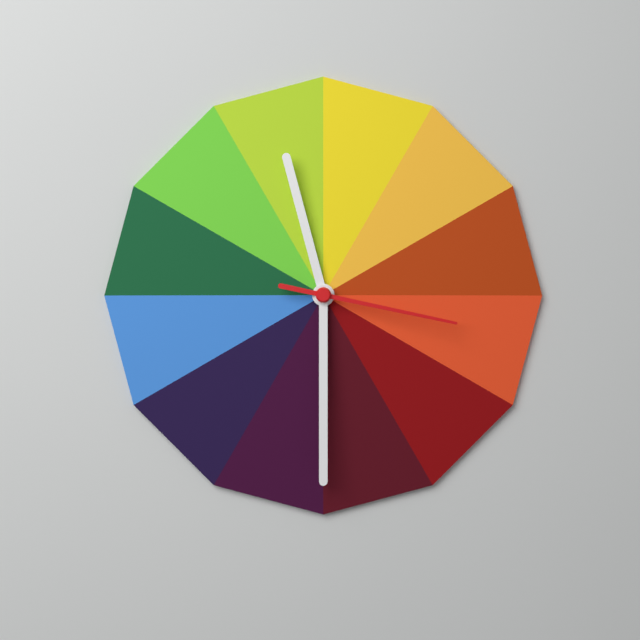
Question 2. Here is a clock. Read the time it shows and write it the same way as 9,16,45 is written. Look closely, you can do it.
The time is 11,30,17
